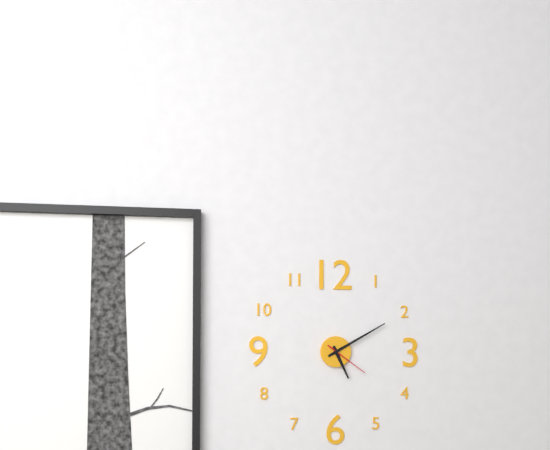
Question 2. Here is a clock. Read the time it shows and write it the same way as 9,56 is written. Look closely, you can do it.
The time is 5,10
